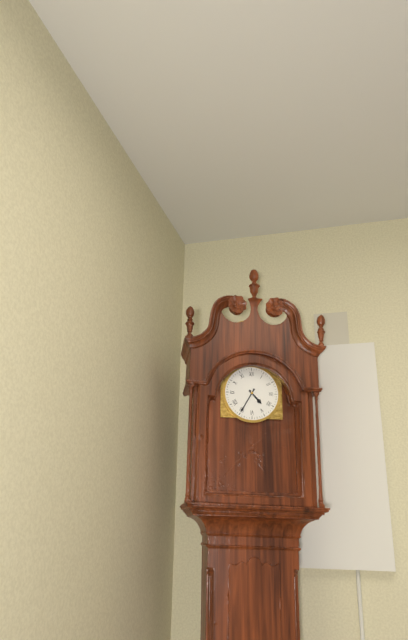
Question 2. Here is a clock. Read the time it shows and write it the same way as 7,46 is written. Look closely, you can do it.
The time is 4,35
